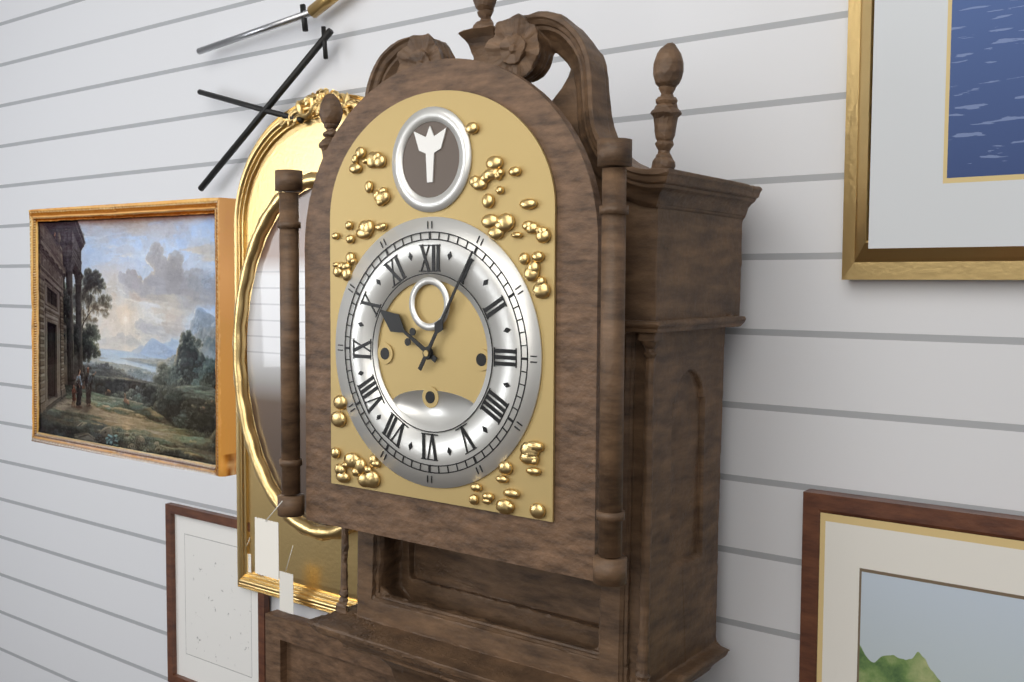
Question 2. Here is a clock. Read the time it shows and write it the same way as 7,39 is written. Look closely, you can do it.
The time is 10,05
